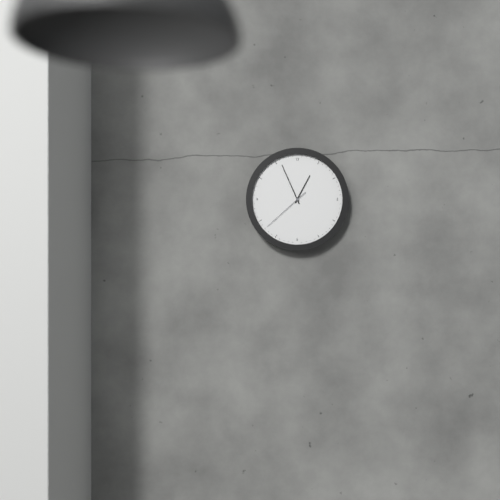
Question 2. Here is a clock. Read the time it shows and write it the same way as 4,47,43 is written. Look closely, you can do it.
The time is 12,56,38
